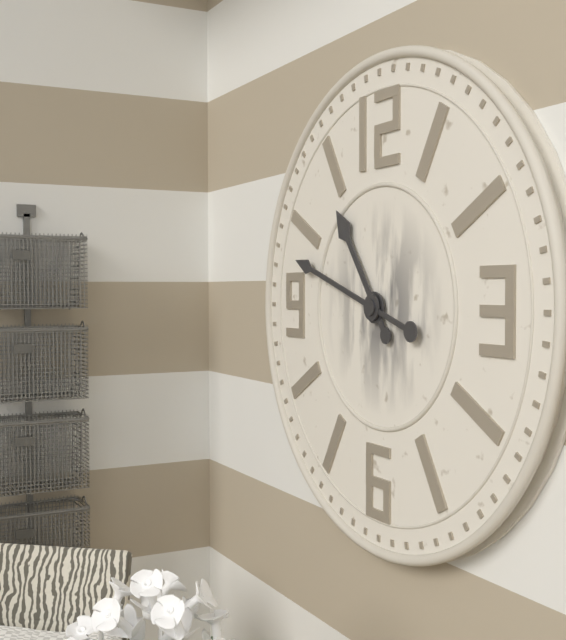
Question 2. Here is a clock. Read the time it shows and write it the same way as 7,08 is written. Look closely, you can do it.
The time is 10,48
